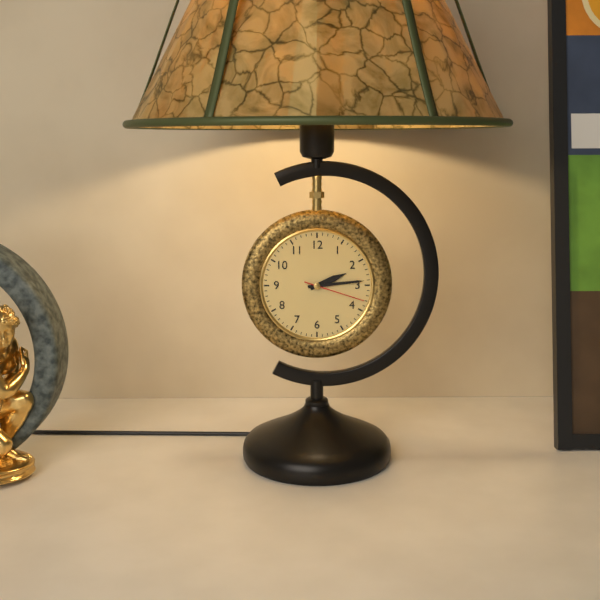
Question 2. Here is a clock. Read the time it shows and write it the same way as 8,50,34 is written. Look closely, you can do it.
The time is 2,14,18
